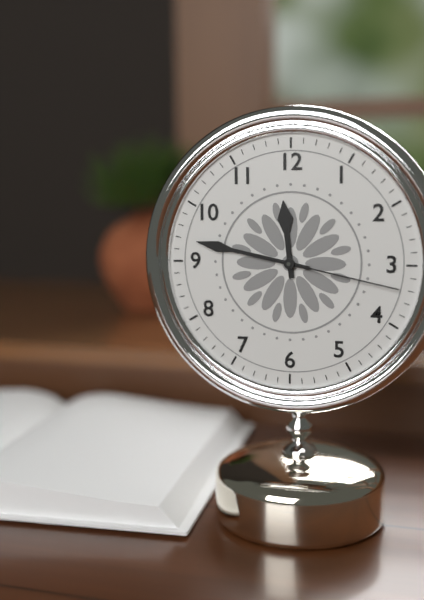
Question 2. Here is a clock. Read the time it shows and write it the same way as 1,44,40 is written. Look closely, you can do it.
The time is 11,47,17
